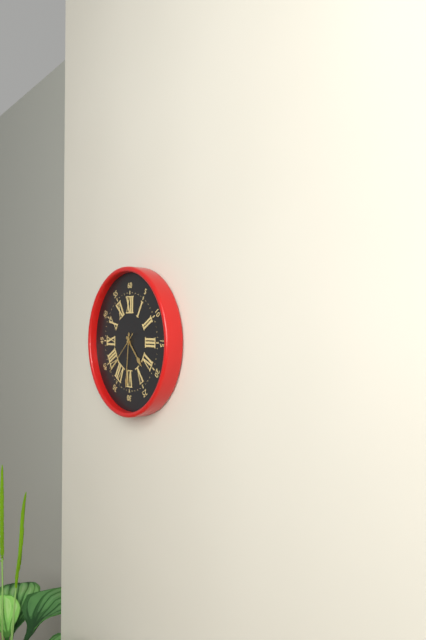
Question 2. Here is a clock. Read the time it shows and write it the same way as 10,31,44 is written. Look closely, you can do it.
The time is 4,31,38
